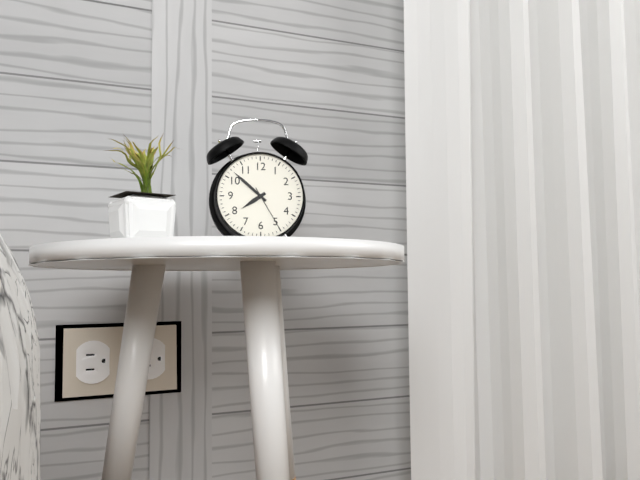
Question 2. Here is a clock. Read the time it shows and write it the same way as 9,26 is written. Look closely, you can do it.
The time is 7,52
